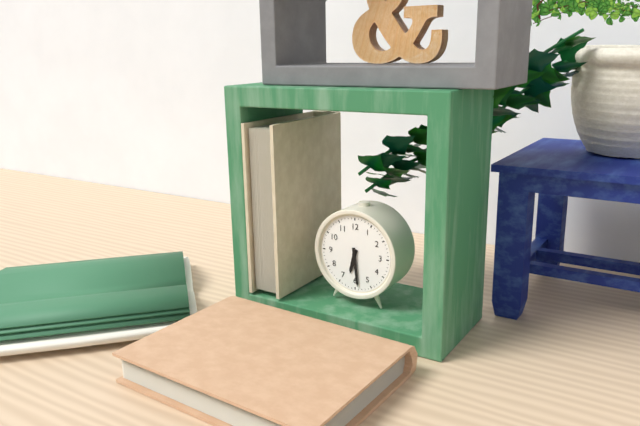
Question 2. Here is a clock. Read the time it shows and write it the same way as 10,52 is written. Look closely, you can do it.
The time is 6,29
